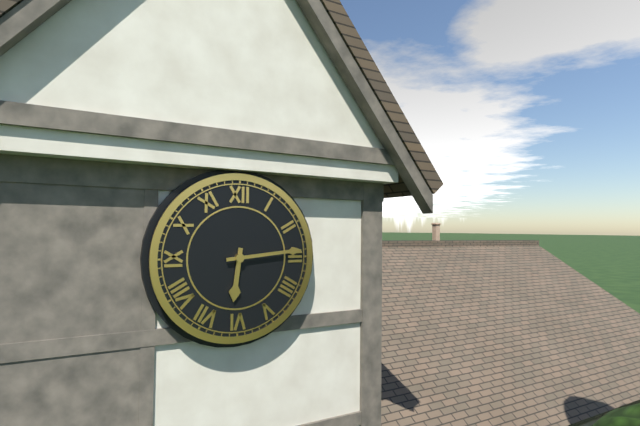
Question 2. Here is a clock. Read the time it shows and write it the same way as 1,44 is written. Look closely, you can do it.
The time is 6,14
